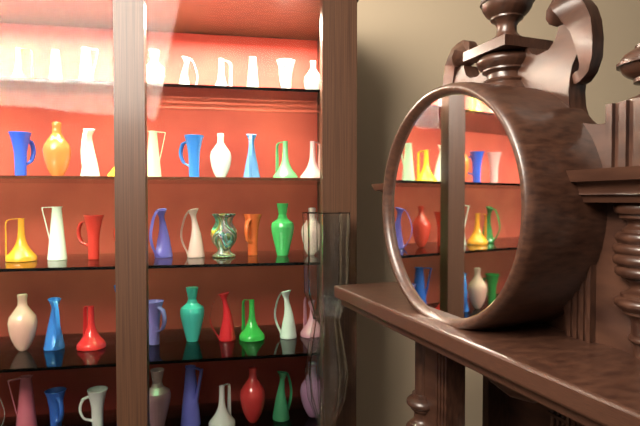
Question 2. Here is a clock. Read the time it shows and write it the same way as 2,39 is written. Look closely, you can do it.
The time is 1,45
